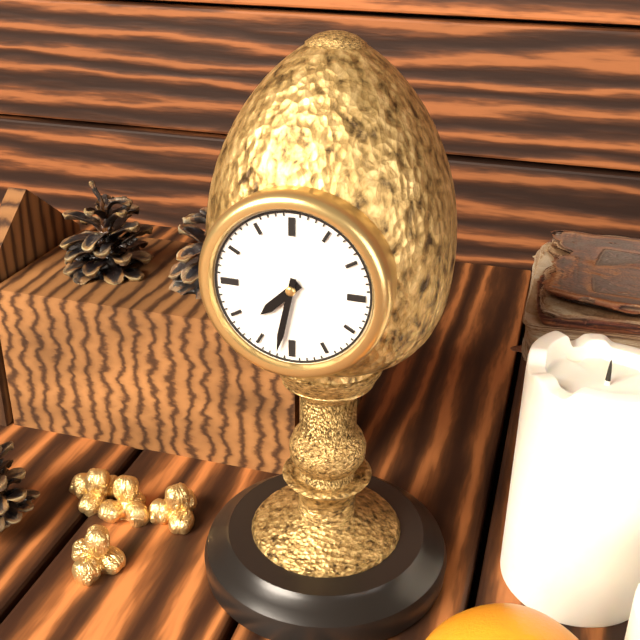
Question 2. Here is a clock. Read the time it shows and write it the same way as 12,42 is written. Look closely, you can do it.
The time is 7,32
